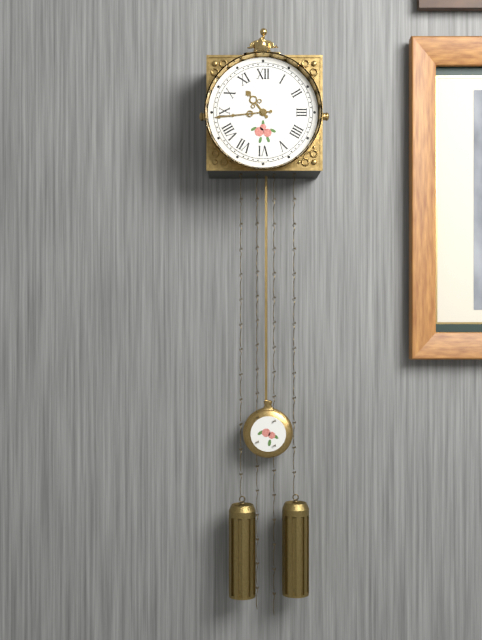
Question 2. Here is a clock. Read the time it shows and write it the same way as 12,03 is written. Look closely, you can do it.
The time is 10,44
